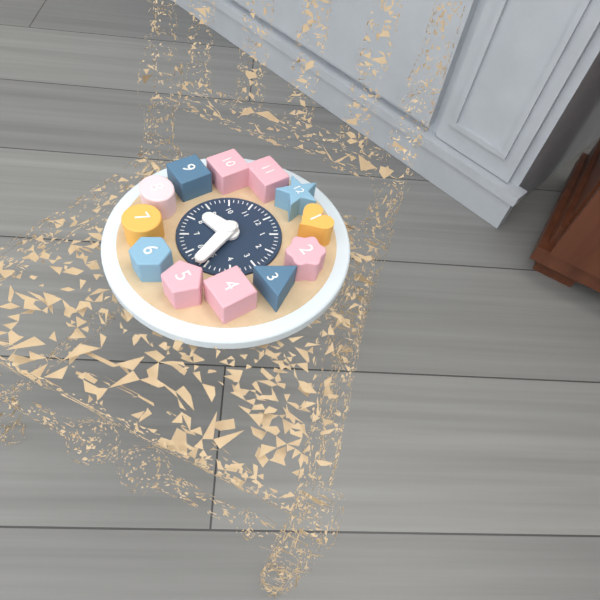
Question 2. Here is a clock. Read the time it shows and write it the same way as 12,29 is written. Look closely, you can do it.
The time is 8,26
